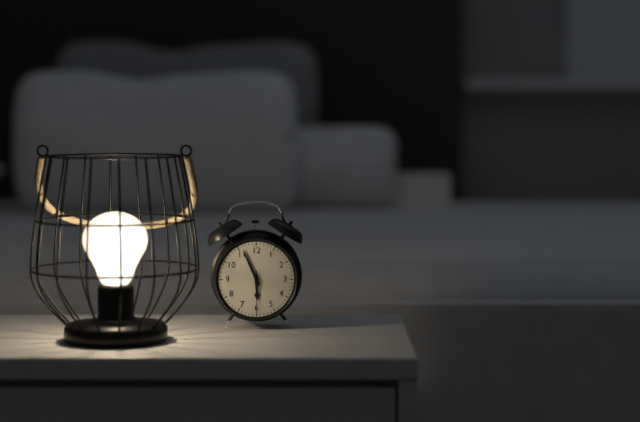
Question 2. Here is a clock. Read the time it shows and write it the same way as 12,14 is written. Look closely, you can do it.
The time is 5,56
